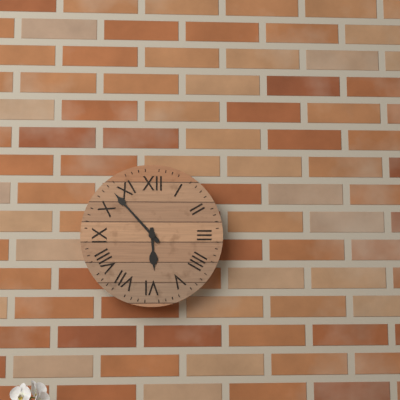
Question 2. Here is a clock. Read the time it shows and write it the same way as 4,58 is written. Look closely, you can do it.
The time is 5,53
